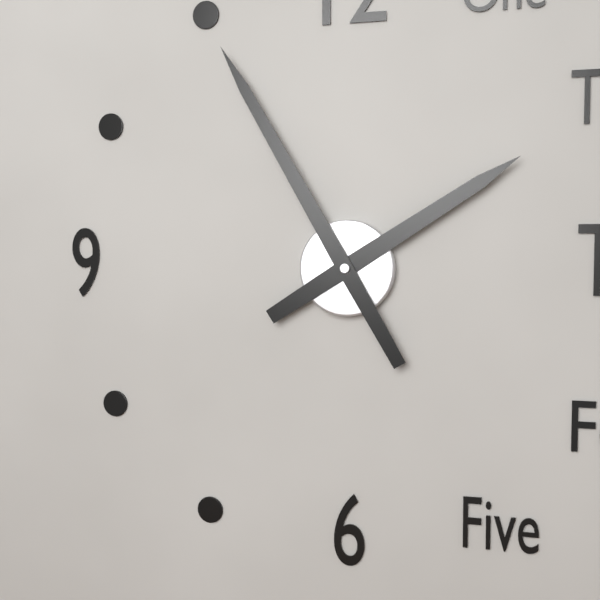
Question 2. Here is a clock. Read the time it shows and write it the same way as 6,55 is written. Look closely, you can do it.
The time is 1,55
